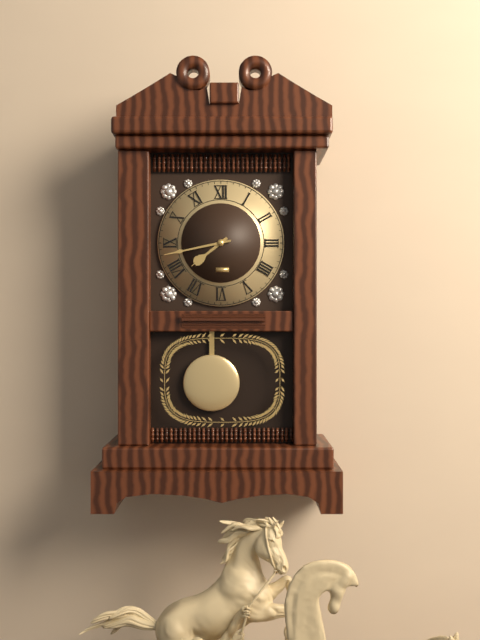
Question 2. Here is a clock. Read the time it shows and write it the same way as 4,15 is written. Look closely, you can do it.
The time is 7,43
